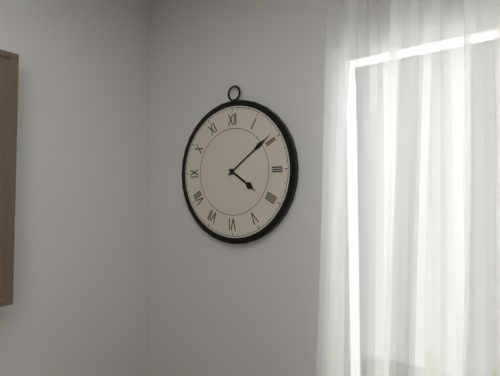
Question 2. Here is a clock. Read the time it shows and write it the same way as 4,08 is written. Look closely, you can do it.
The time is 4,09
